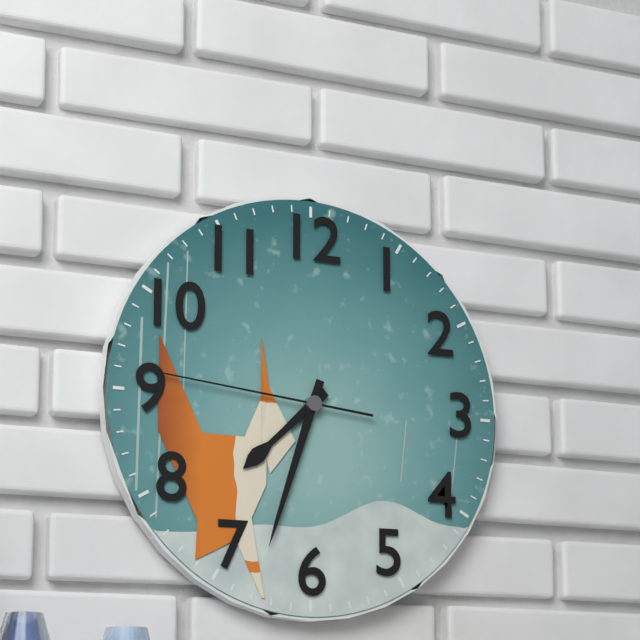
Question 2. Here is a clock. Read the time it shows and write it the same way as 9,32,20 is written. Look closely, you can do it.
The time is 7,33,46
